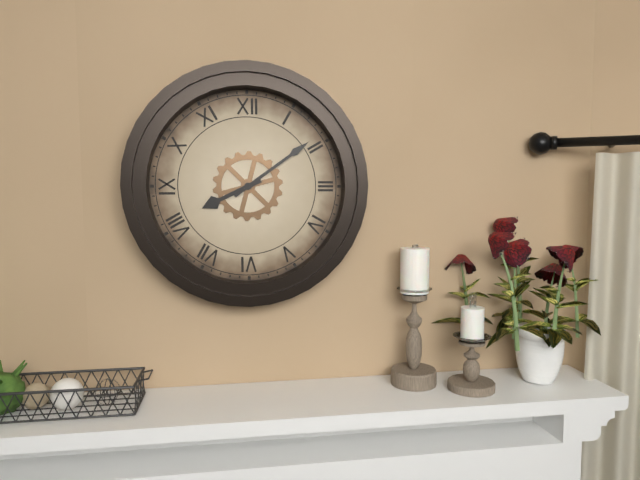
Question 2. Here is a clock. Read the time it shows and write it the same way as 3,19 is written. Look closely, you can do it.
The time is 8,09
